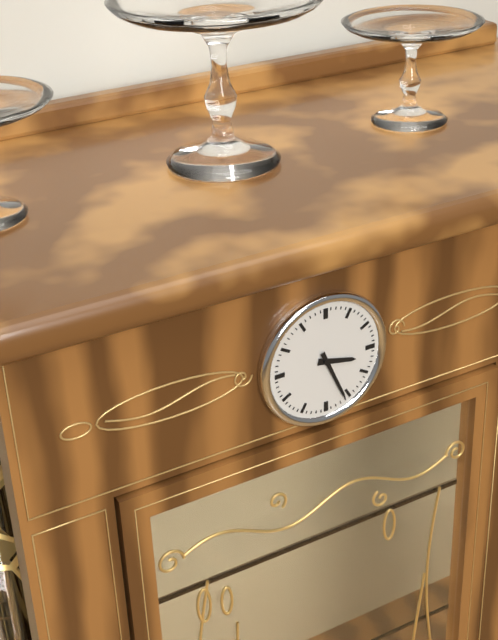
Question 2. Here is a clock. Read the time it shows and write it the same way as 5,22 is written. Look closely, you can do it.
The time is 3,26
